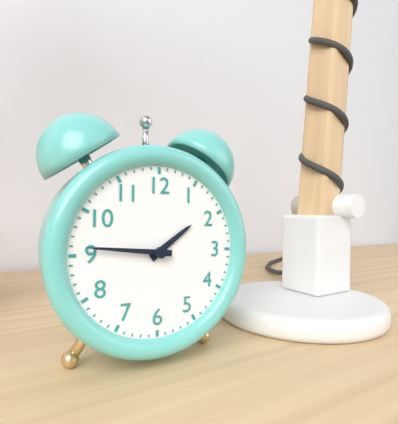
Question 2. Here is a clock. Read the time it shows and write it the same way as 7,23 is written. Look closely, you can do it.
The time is 1,46
